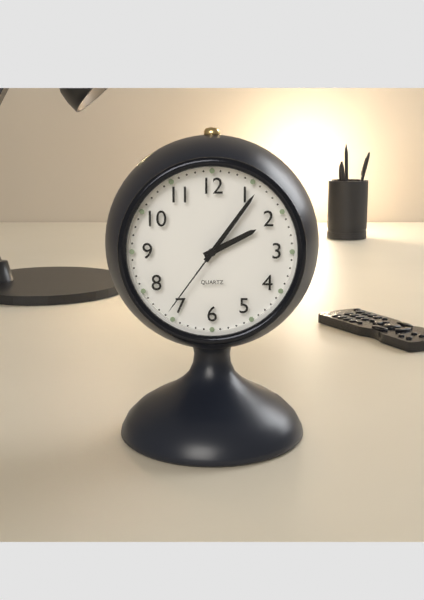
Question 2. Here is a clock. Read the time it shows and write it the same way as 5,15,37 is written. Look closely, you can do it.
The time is 2,06,36
